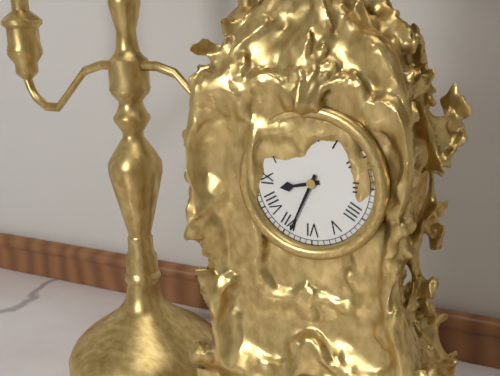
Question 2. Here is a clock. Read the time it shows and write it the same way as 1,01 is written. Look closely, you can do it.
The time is 8,34
